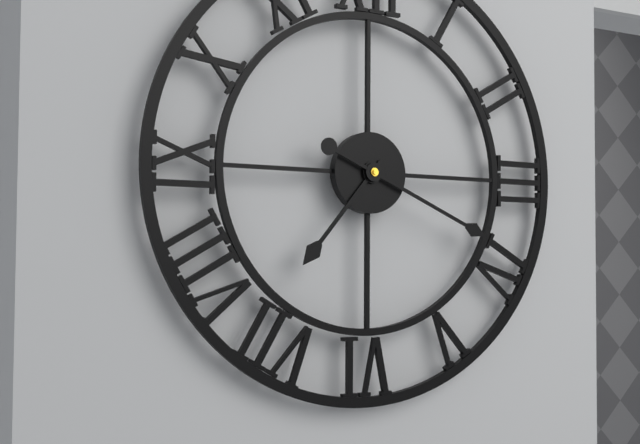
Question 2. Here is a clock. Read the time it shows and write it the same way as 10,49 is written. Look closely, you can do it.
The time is 7,19
